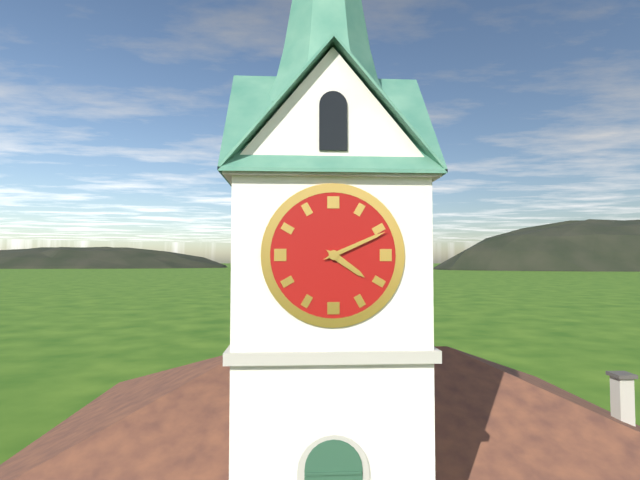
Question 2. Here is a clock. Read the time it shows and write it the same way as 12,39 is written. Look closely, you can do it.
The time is 4,11
